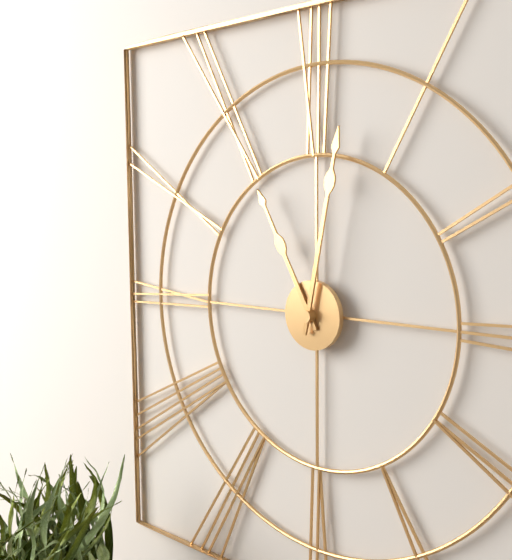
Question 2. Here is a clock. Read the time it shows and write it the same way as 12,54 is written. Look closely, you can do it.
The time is 11,02
